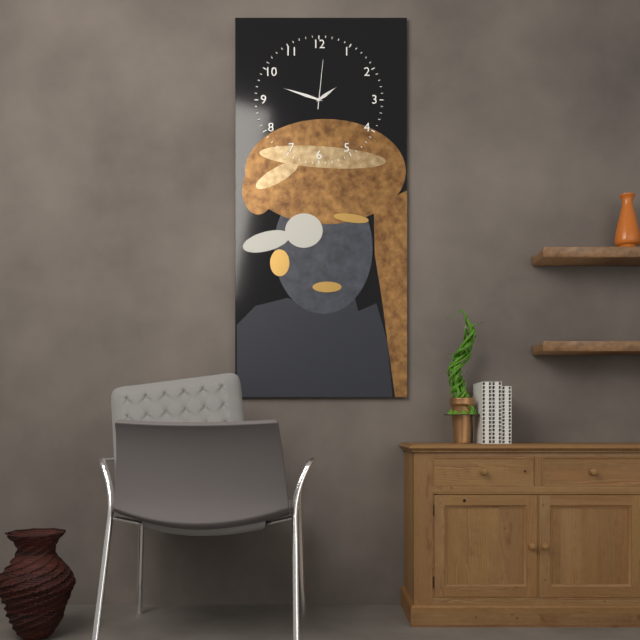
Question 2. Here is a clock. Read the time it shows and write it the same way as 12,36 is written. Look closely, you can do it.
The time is 1,48
